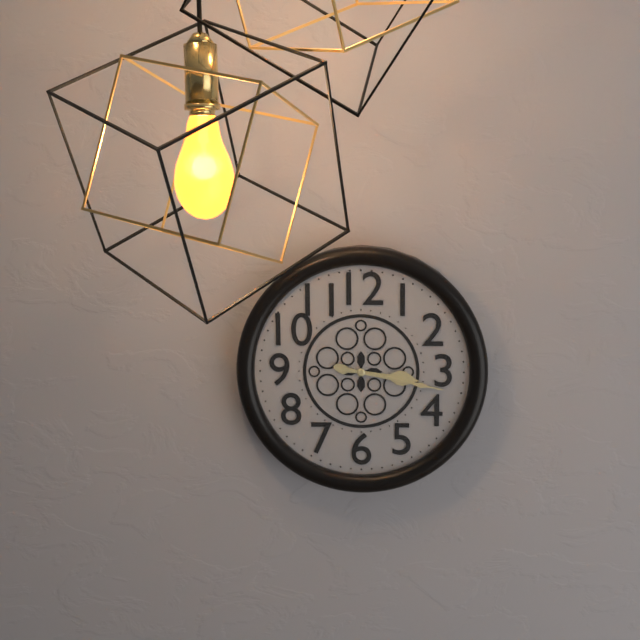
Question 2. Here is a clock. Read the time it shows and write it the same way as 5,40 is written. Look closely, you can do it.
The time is 3,17
